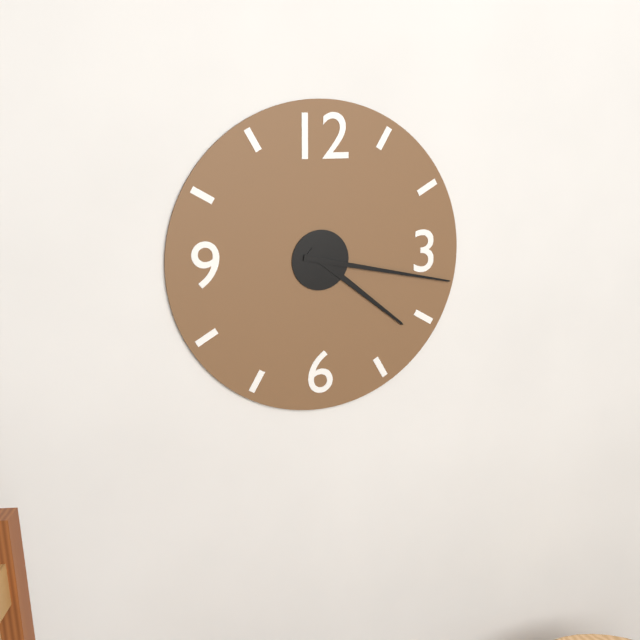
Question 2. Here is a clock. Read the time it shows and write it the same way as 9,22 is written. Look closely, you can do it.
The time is 4,17
